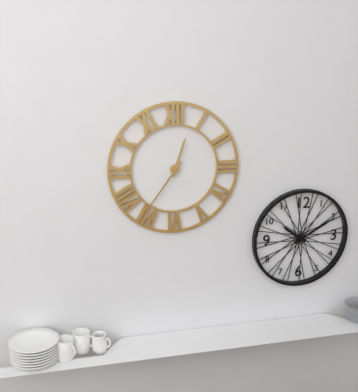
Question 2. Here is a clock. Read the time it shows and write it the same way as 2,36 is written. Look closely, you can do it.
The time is 12,36
